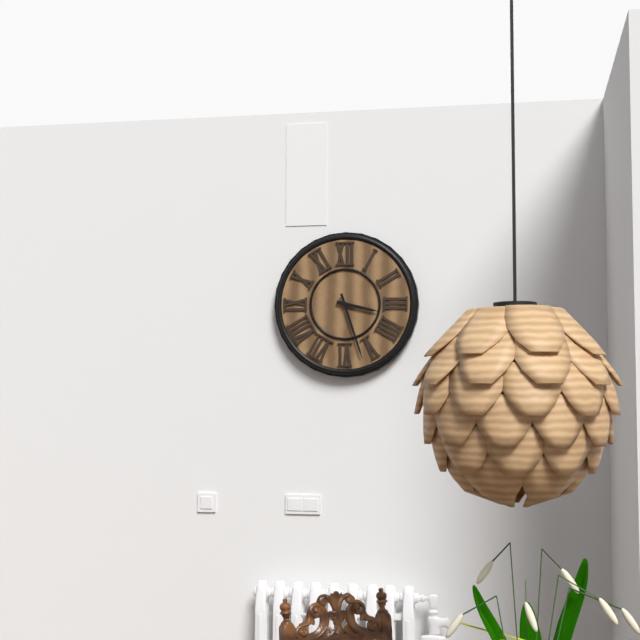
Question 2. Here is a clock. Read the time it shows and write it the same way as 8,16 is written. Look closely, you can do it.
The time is 3,27
